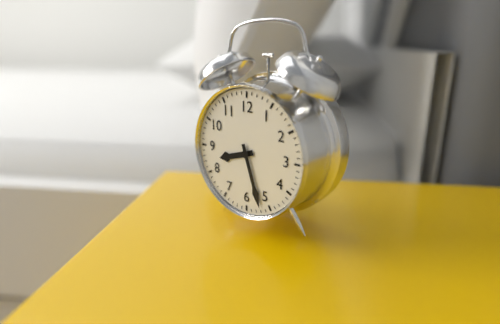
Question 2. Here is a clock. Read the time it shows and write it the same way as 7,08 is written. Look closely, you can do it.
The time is 8,27
